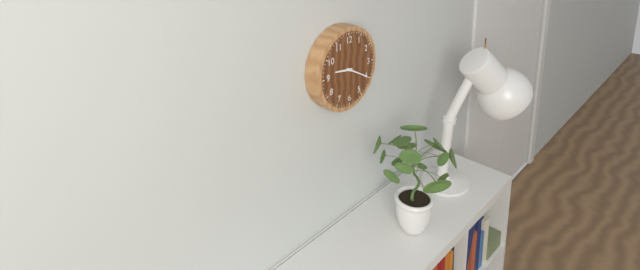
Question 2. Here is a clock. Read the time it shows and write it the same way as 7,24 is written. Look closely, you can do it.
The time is 9,20
